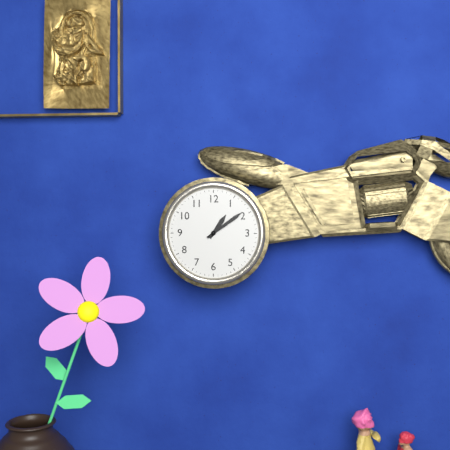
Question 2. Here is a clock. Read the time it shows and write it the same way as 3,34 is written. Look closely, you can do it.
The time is 1,09
